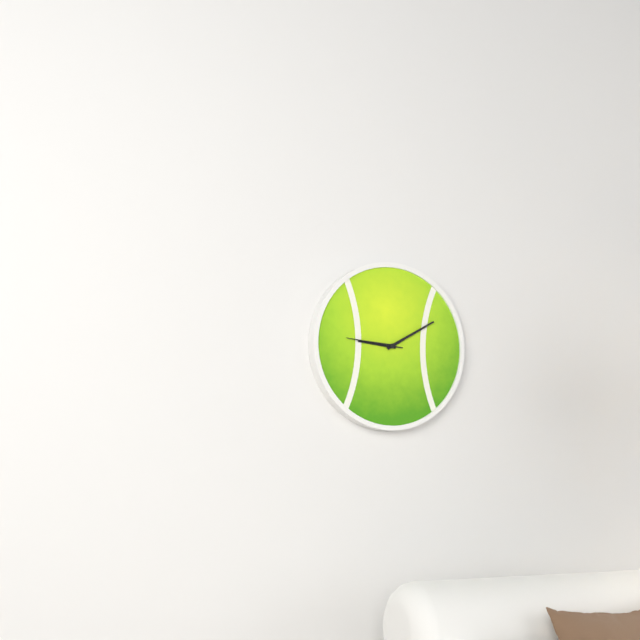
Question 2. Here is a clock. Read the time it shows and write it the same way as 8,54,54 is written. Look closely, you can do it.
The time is 9,10,46
